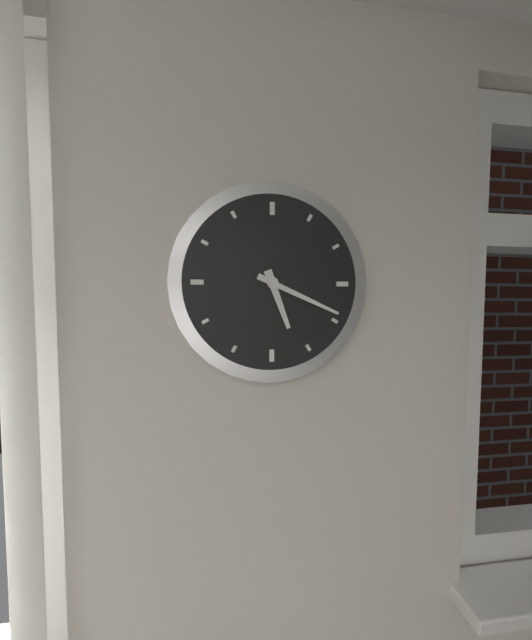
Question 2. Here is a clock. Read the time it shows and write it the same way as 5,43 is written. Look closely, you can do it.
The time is 5,19
